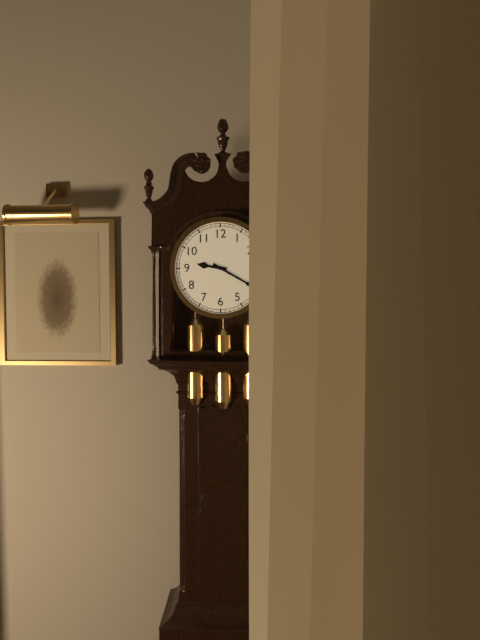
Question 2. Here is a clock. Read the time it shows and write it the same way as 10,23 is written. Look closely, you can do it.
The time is 9,20
